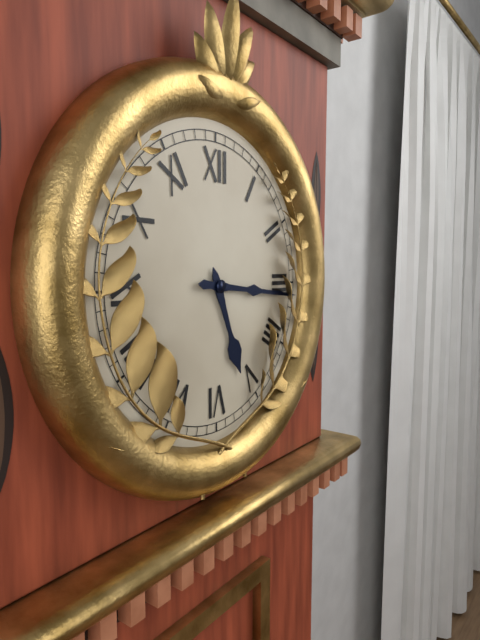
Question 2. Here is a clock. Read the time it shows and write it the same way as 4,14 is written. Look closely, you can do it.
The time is 5,16
